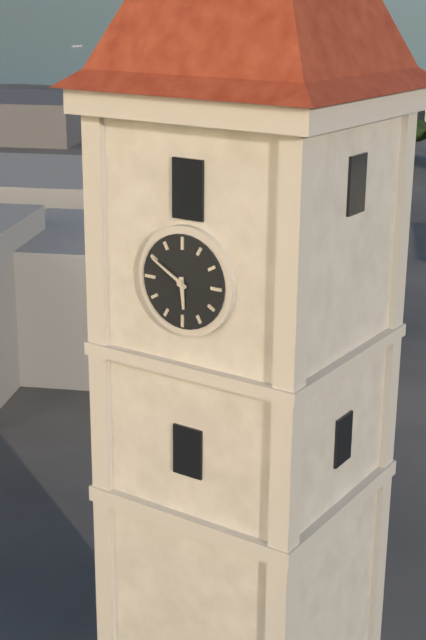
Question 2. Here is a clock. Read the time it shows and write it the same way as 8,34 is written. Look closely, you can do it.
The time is 5,50
